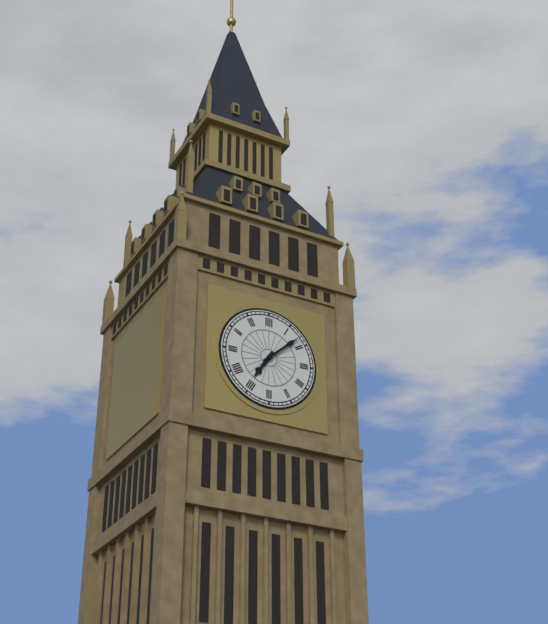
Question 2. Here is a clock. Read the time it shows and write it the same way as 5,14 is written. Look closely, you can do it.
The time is 7,08
